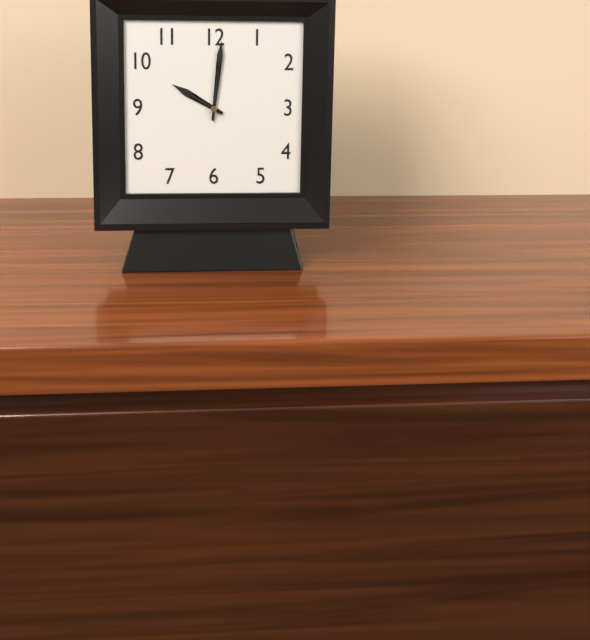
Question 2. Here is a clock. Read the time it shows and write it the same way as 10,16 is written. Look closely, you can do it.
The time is 10,01
